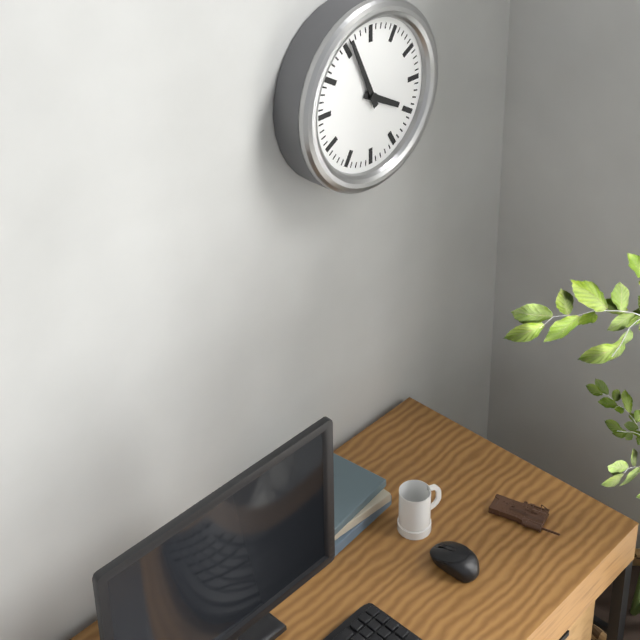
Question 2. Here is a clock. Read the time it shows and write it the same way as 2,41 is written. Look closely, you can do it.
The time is 3,56
